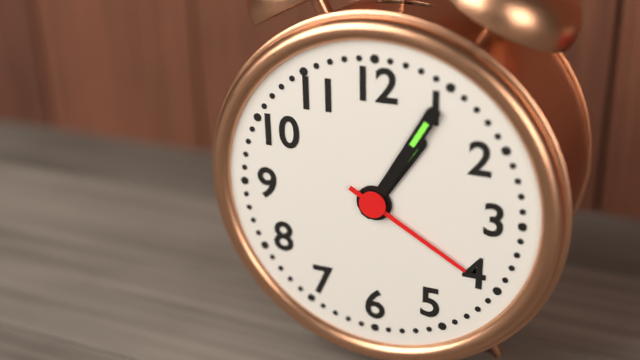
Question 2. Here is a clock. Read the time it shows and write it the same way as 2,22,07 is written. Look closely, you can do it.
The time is 1,05,20
